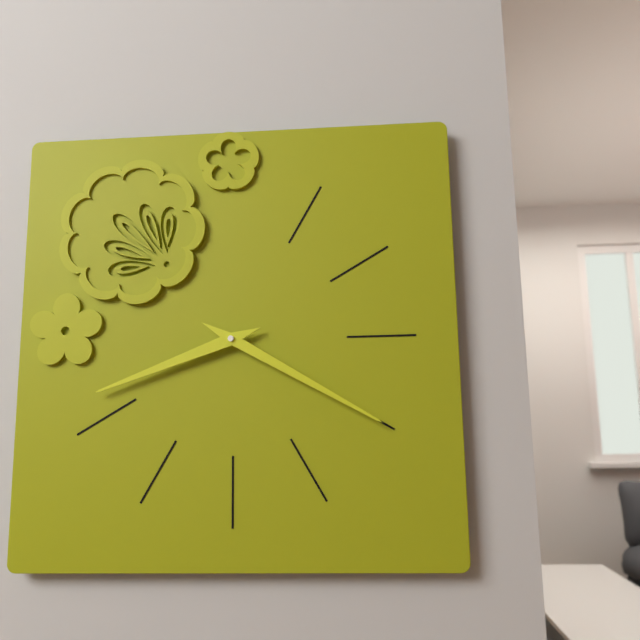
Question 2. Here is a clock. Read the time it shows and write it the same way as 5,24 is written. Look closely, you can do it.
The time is 8,20
